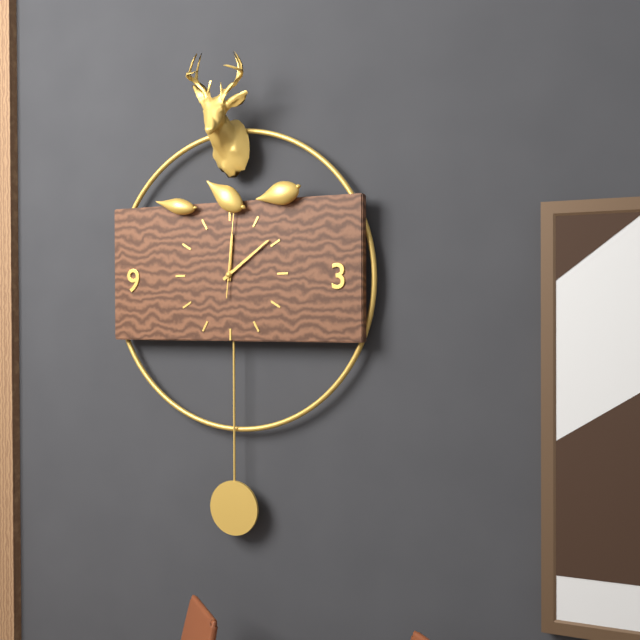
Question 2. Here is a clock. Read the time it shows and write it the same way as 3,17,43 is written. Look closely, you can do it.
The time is 12,09,01
